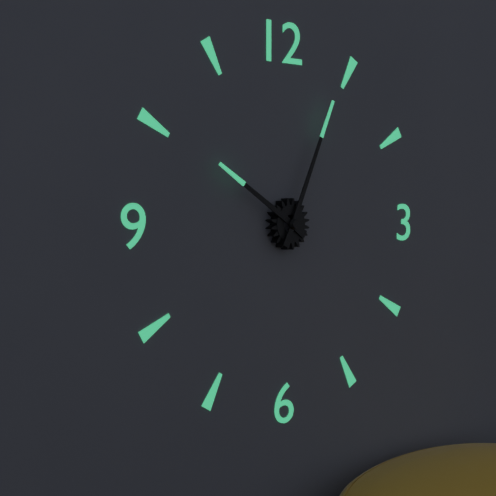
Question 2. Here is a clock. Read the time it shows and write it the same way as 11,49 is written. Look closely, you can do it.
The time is 10,04
